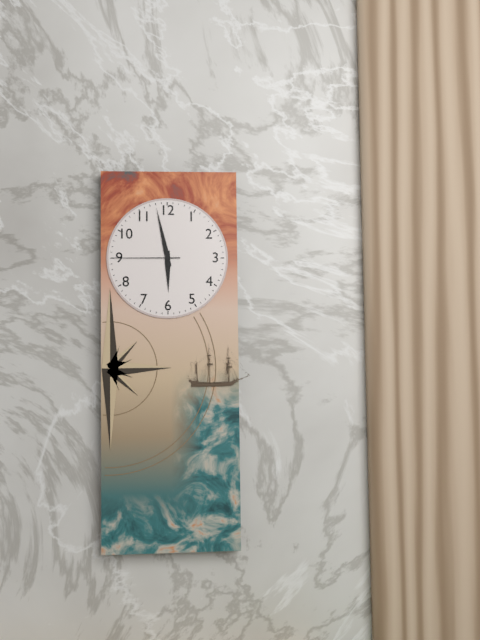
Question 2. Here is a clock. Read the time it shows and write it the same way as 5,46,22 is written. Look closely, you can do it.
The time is 5,58,45
